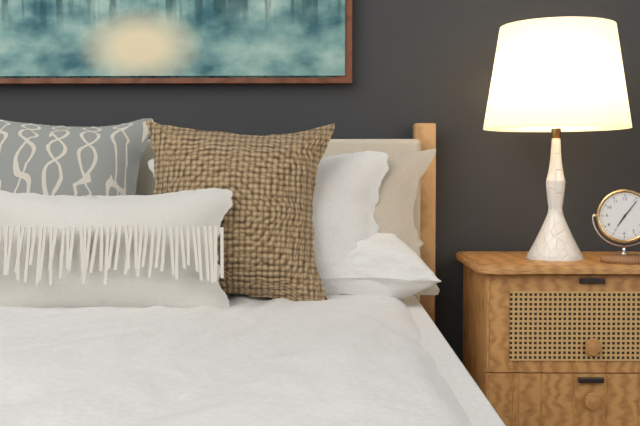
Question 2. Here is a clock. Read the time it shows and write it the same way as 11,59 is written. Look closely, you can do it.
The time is 7,06
